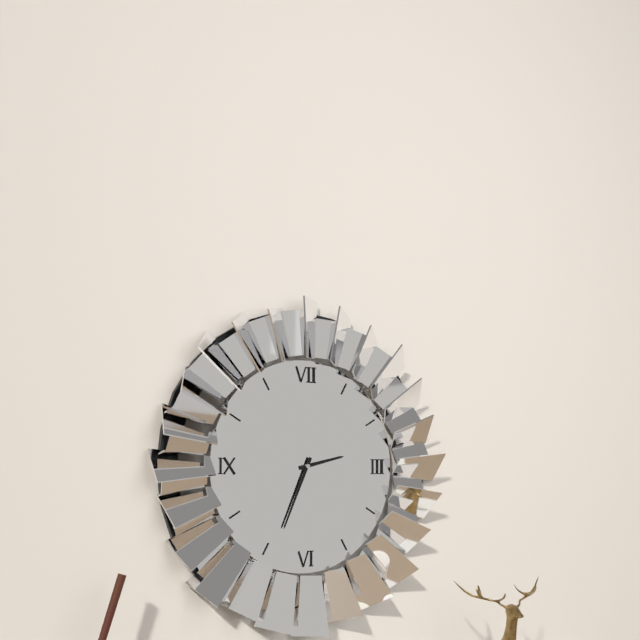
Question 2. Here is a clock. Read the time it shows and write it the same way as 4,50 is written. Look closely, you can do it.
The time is 2,34
